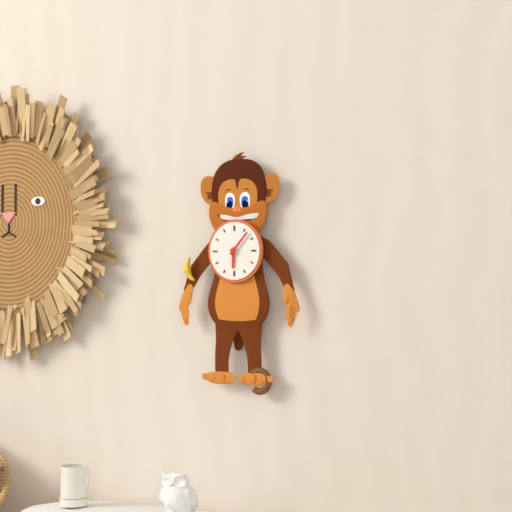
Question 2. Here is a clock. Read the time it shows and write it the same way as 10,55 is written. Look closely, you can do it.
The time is 6,07
